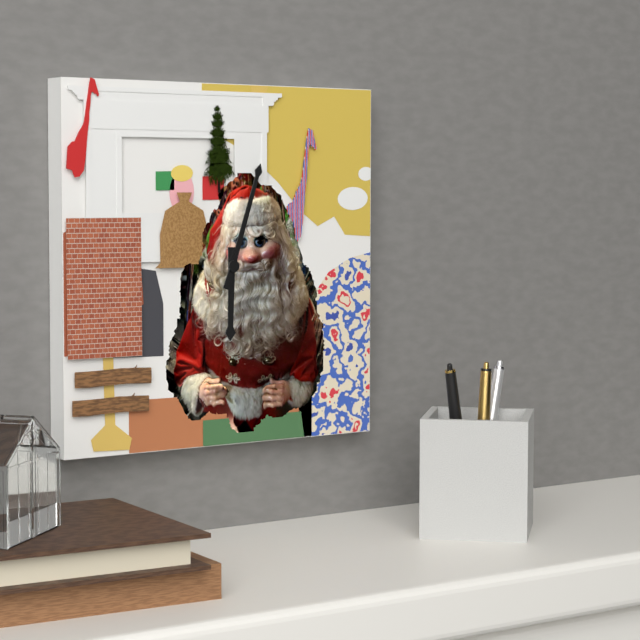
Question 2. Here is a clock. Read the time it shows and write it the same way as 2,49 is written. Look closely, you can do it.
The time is 6,03
